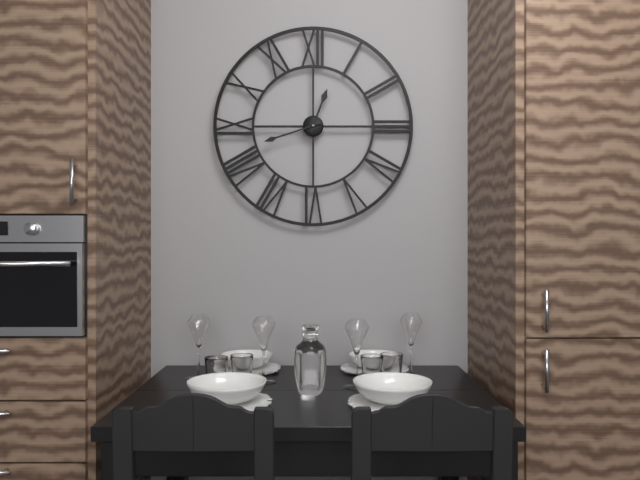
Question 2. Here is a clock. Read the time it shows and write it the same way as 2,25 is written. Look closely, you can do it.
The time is 12,42
